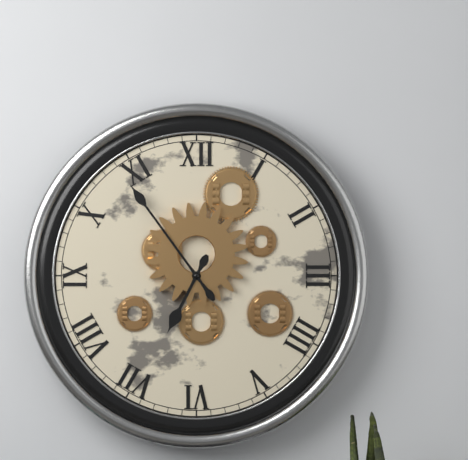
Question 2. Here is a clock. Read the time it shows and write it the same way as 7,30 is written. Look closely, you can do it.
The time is 6,54
